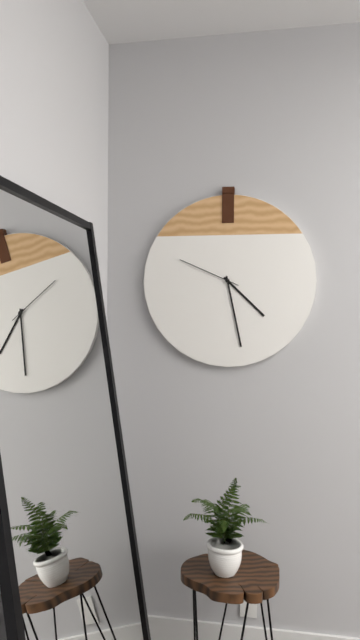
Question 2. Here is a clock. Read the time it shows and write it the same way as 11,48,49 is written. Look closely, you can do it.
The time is 4,28,49
